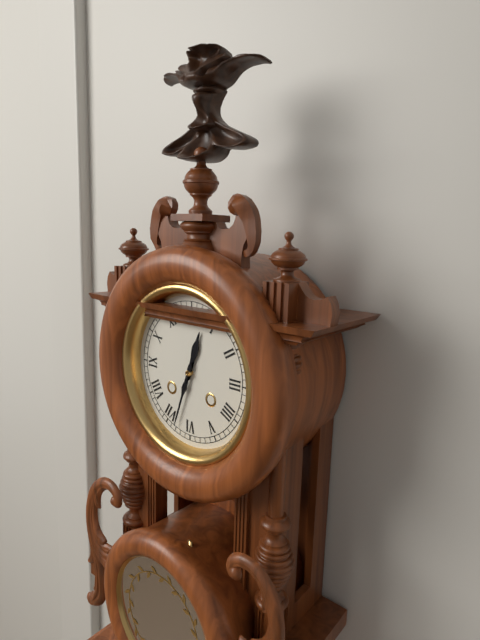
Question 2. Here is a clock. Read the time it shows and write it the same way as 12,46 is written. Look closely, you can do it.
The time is 12,33
